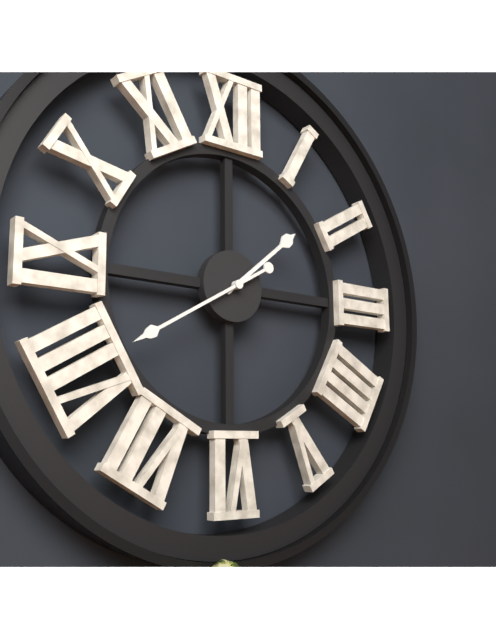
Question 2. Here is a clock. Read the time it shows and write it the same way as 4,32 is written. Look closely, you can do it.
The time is 1,40
